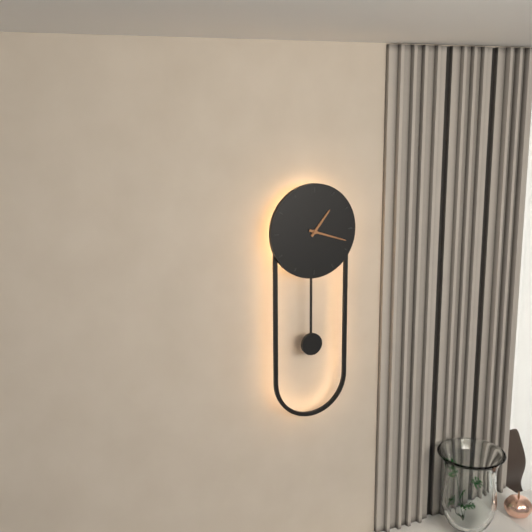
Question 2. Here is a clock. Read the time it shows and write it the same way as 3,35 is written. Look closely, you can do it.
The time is 1,18
